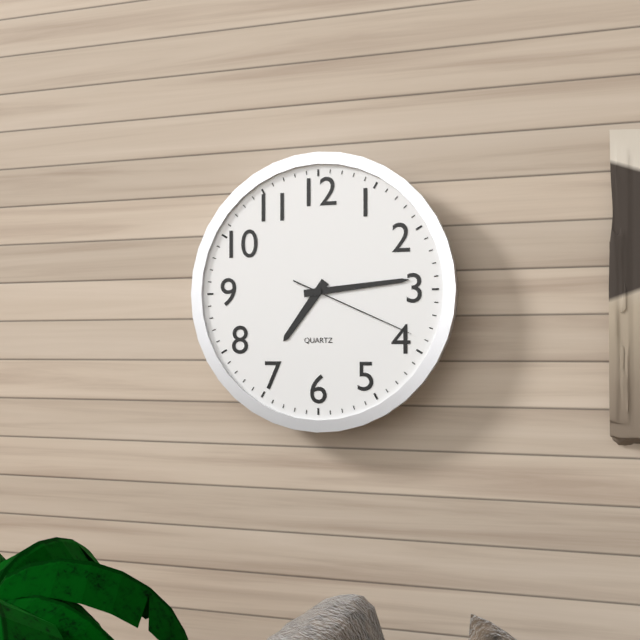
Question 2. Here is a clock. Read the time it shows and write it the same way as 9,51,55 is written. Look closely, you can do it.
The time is 7,14,19
